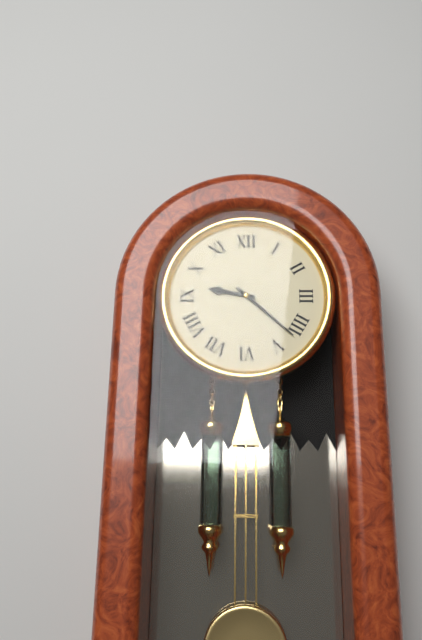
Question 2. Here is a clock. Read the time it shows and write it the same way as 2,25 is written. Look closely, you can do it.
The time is 9,22
